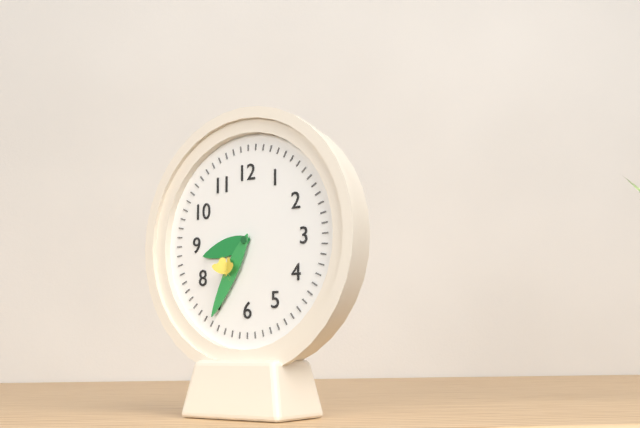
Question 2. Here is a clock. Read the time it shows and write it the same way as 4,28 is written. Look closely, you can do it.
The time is 8,35
